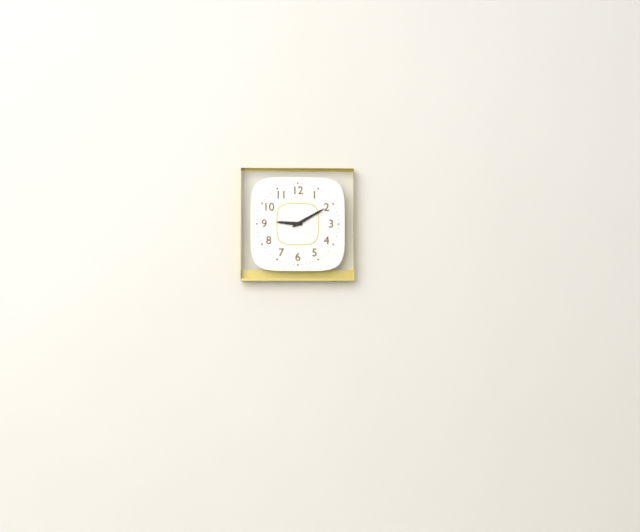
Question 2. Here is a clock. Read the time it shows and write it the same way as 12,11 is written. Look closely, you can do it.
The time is 9,10
